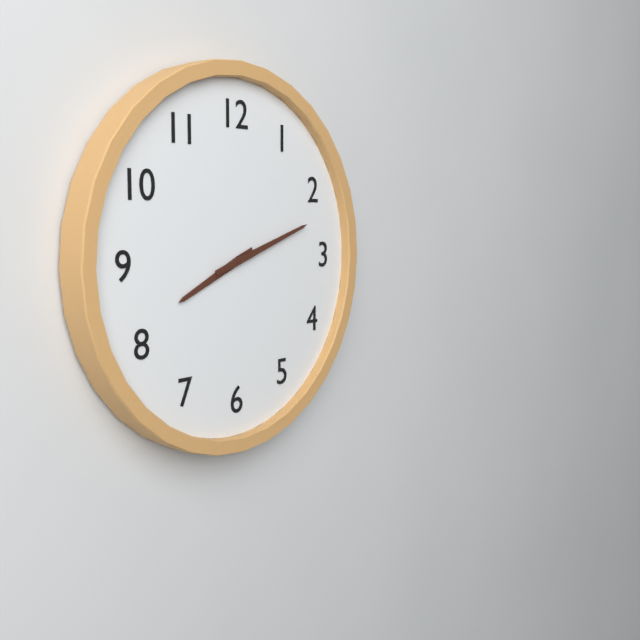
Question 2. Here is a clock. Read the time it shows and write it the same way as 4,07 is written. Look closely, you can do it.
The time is 8,12
